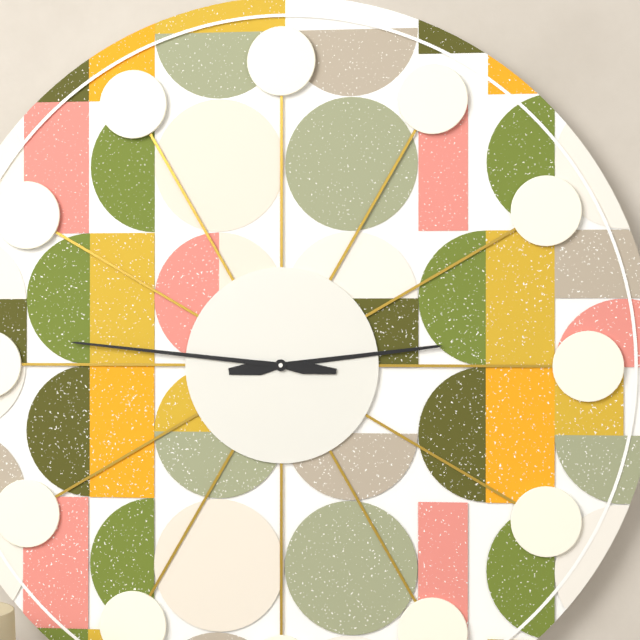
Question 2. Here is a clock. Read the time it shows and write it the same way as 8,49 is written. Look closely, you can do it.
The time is 2,46
